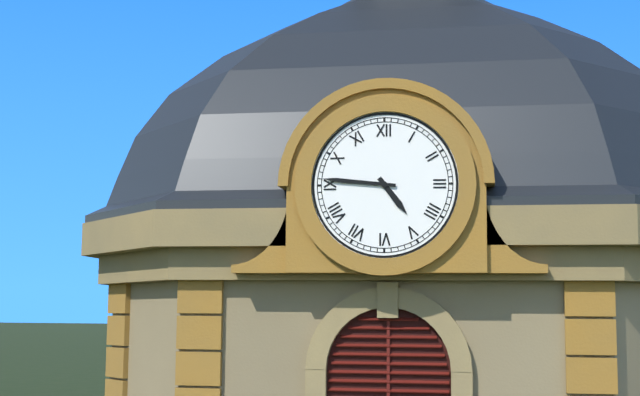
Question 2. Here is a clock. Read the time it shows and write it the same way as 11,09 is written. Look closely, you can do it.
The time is 4,46
